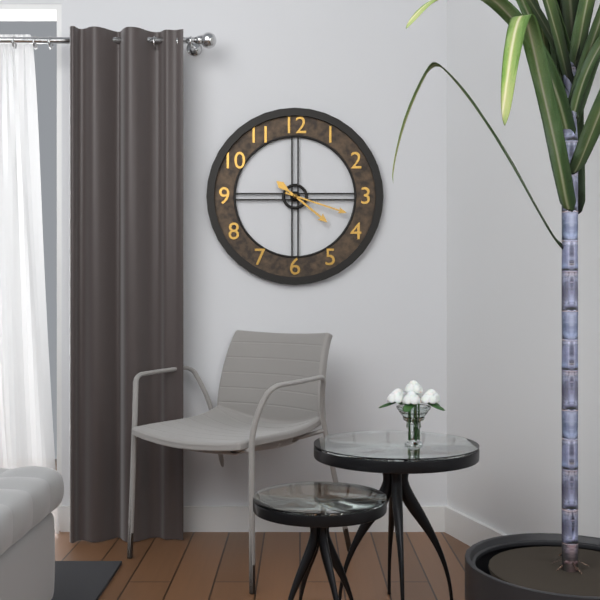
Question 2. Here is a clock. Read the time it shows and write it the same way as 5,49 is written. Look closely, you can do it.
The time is 4,18
